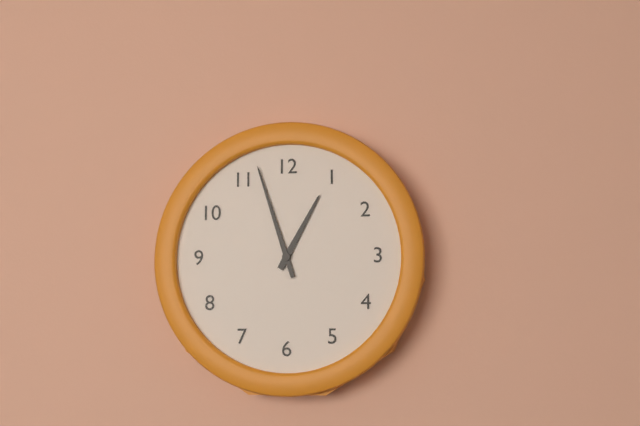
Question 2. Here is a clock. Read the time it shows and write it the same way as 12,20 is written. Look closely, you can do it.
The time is 12,57
